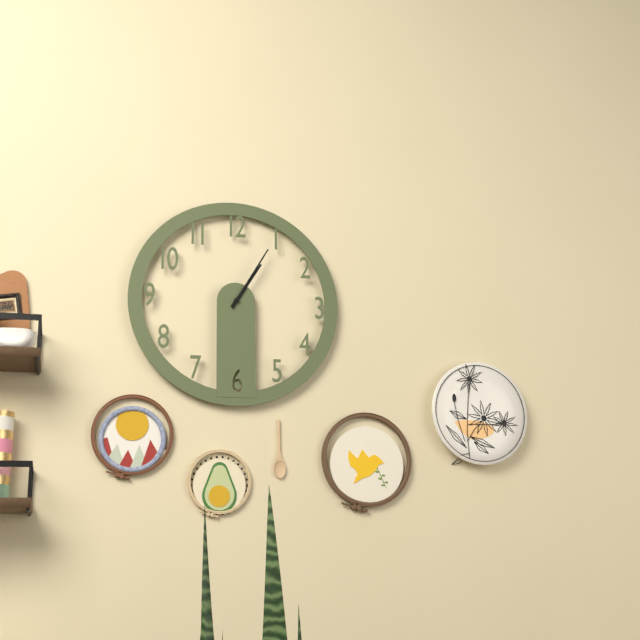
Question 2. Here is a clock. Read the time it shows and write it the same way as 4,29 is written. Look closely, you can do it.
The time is 1,05
